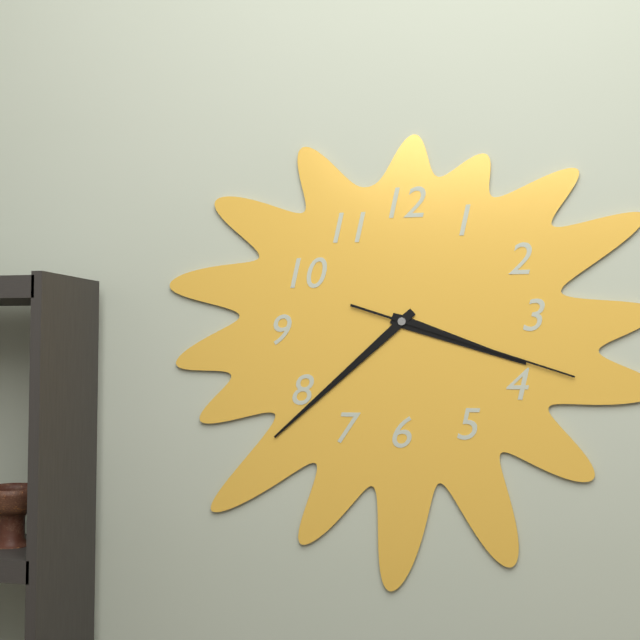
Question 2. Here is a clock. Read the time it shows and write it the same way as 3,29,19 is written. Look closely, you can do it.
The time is 3,38,18
